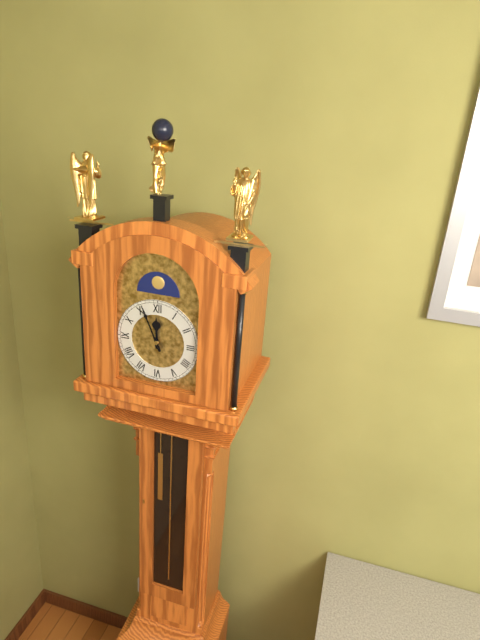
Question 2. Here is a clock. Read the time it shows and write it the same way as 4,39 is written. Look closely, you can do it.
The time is 11,56
